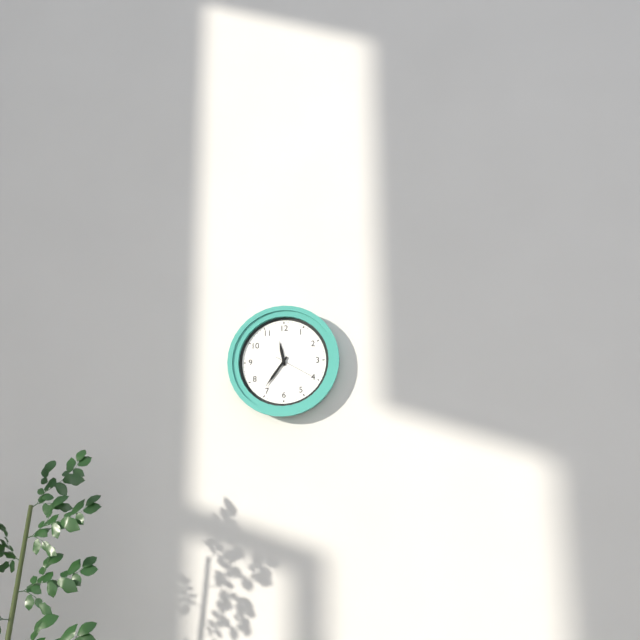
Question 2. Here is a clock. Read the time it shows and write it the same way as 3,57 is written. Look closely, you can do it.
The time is 11,36
